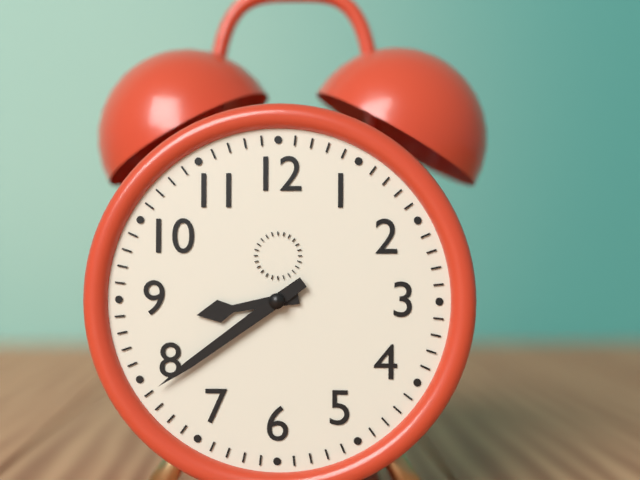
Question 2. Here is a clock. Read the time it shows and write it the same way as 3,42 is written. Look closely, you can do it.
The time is 8,39
